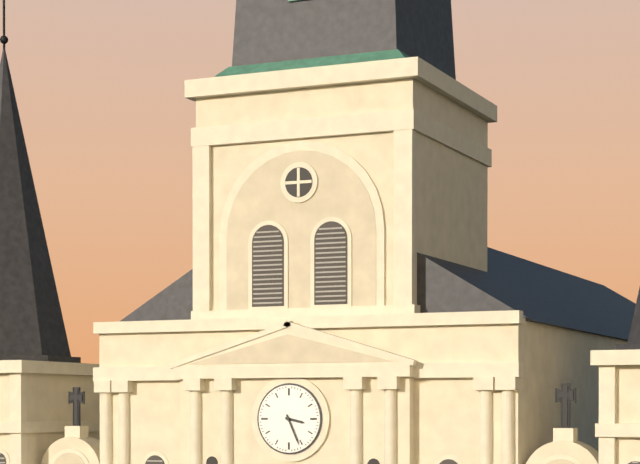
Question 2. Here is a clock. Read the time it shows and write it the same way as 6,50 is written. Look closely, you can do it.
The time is 3,26
